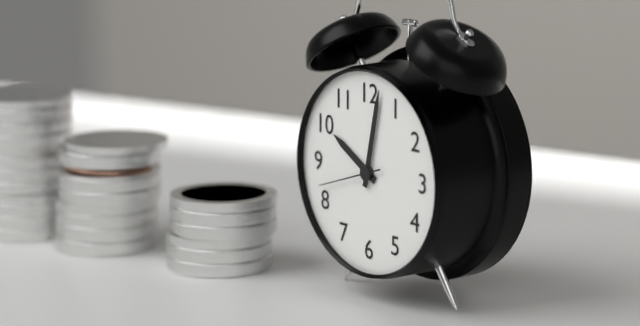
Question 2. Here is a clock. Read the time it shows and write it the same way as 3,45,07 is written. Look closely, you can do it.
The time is 10,02,42
